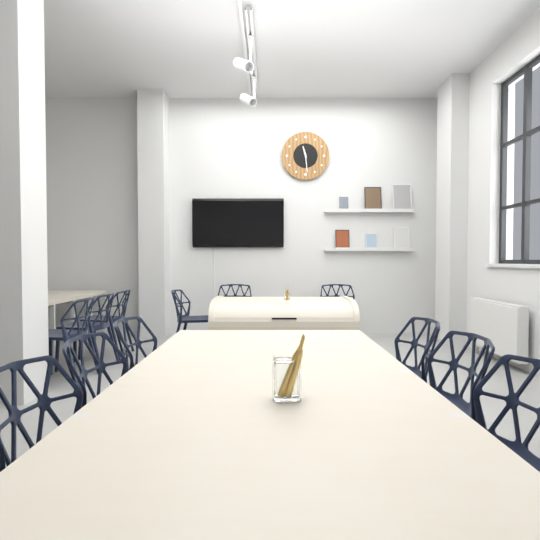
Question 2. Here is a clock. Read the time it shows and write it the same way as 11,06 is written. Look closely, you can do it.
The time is 11,29
